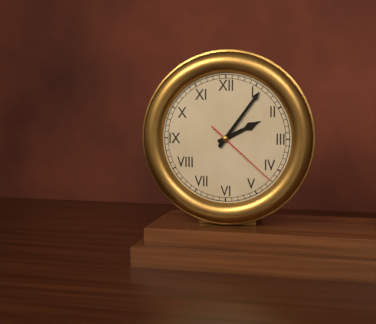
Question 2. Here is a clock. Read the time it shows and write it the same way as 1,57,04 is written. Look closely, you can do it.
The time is 2,06,22
